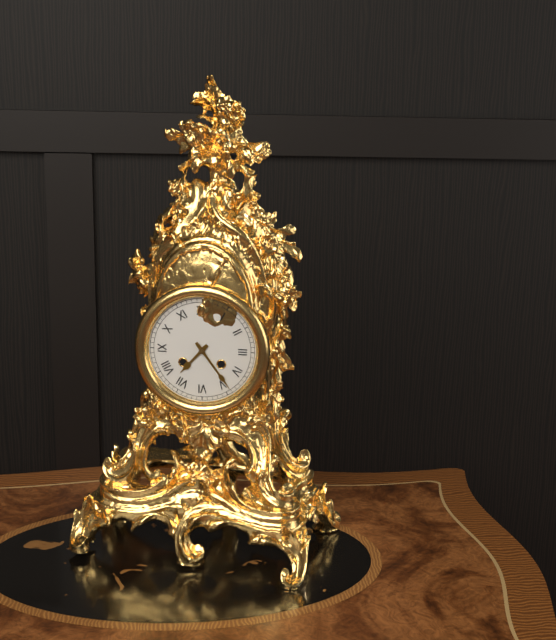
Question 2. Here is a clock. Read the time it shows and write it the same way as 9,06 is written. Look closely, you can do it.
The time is 7,24
